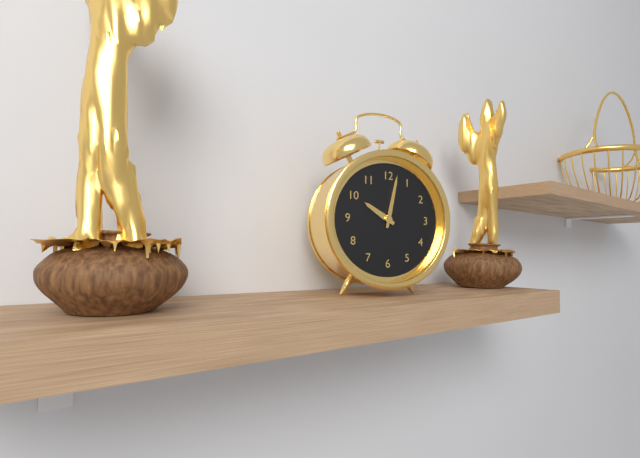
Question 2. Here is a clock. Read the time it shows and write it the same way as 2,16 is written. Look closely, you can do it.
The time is 10,02
